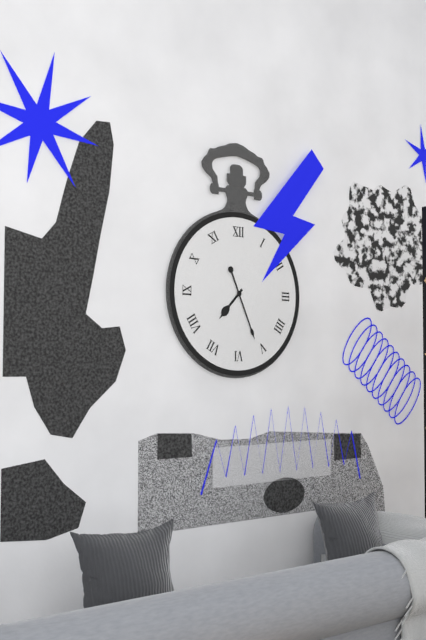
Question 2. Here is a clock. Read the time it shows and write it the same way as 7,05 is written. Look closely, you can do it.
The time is 7,26
